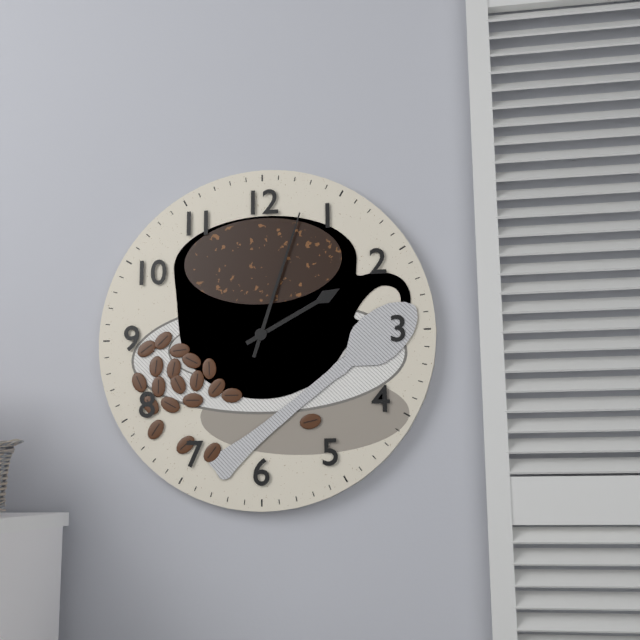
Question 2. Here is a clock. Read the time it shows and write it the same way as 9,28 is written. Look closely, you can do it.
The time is 2,03
